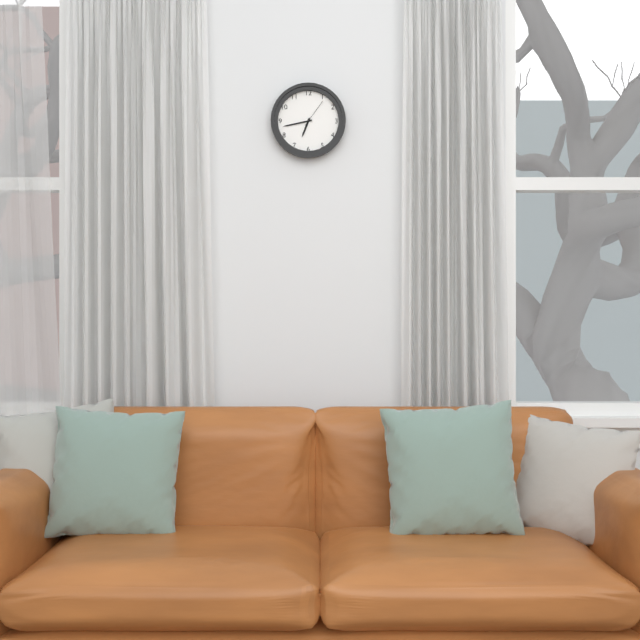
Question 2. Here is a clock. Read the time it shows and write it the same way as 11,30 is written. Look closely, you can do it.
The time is 6,43
